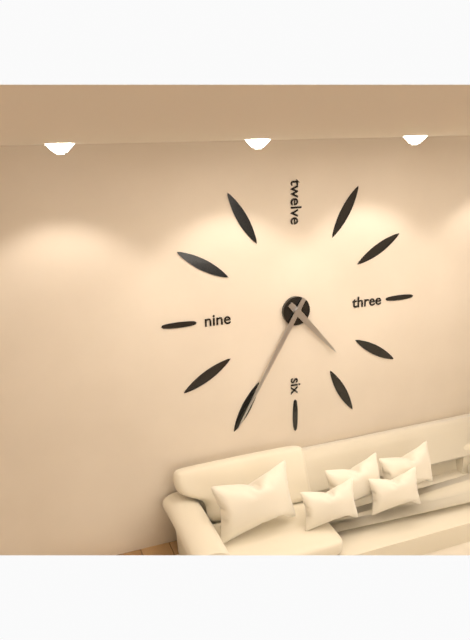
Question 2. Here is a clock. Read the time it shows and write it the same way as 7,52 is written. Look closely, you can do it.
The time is 4,35
